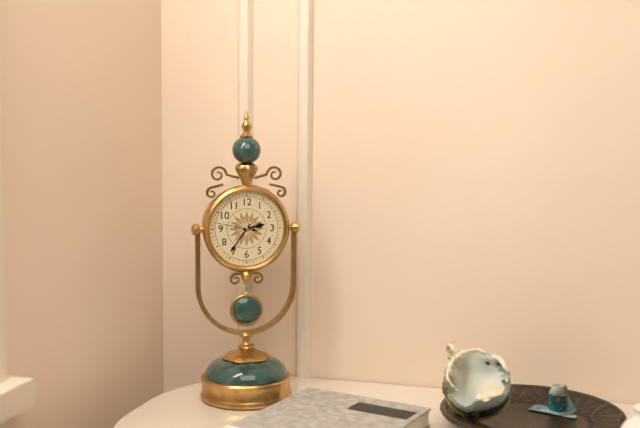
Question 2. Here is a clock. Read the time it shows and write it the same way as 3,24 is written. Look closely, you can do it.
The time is 2,36
